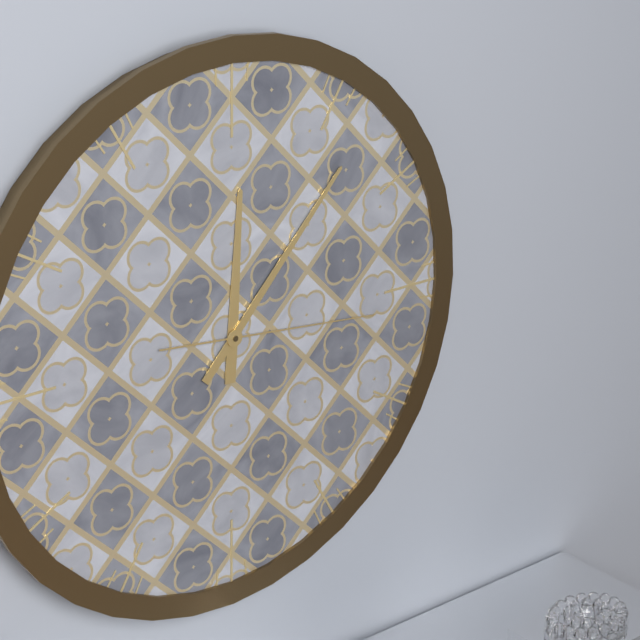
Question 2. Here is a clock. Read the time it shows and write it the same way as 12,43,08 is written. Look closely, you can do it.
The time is 12,07,16
